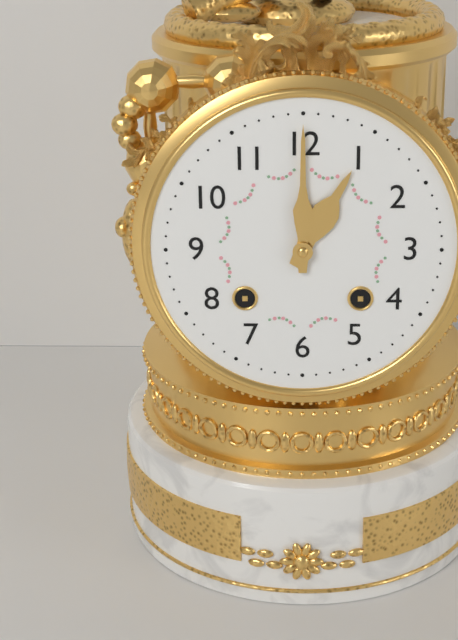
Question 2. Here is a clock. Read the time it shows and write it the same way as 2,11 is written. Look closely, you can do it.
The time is 1,00
